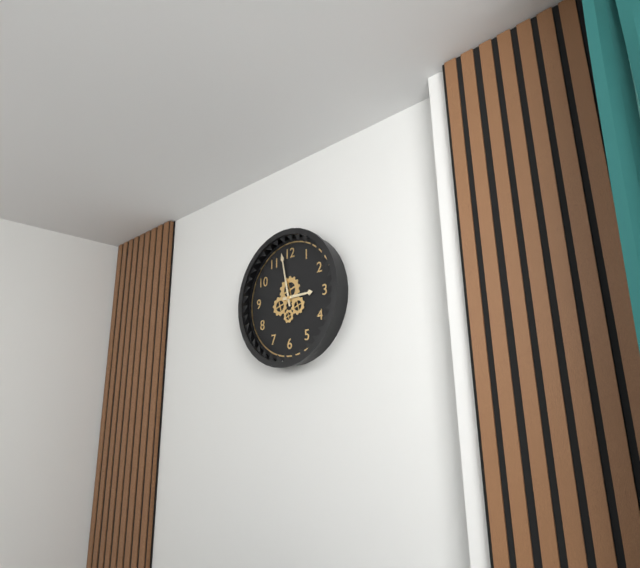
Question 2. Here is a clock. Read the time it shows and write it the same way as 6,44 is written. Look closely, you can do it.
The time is 2,58
